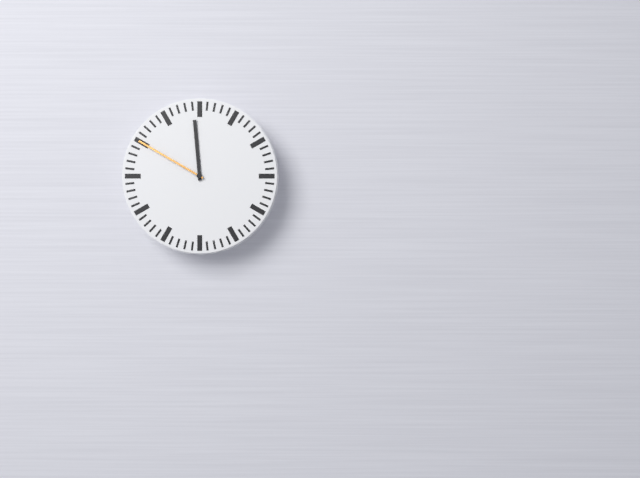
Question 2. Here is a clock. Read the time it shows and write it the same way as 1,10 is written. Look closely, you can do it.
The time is 11,50
